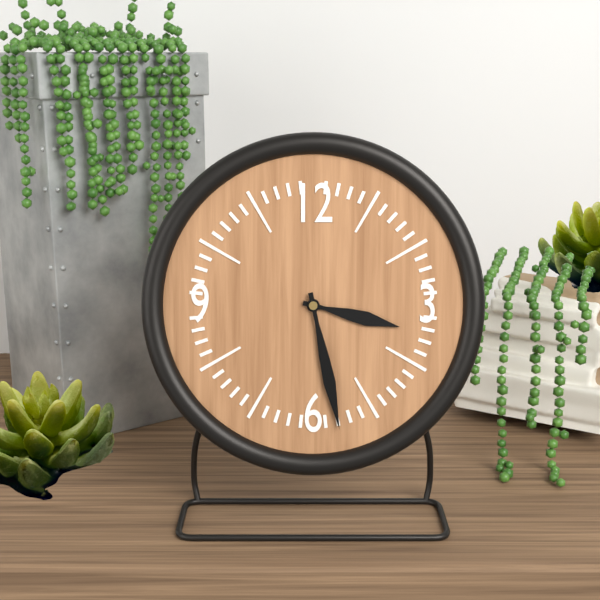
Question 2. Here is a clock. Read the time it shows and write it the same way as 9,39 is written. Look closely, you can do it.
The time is 3,28
